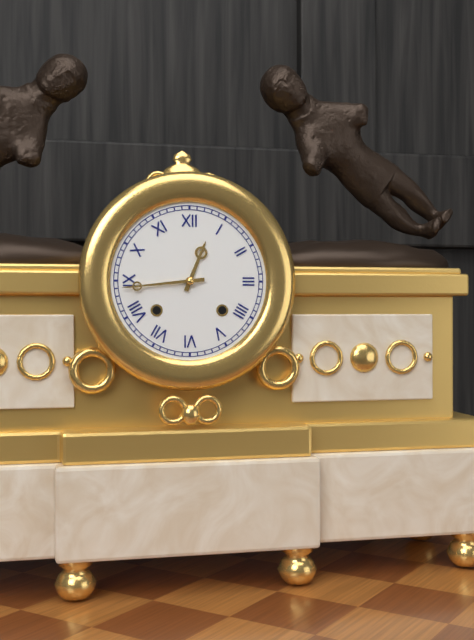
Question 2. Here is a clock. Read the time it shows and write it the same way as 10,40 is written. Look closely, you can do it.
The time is 12,44
